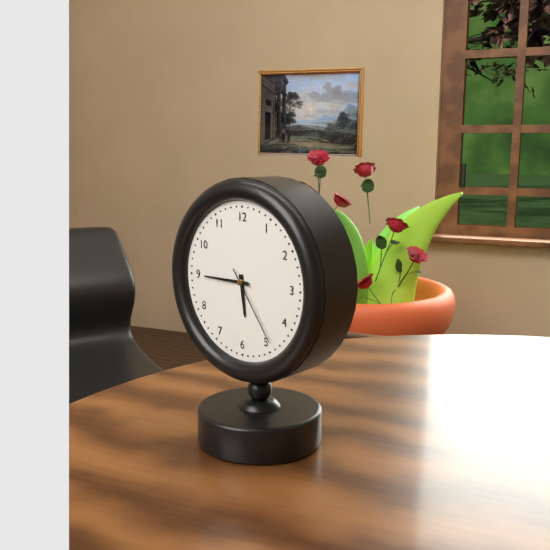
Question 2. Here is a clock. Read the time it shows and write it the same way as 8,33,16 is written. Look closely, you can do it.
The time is 5,45,24
